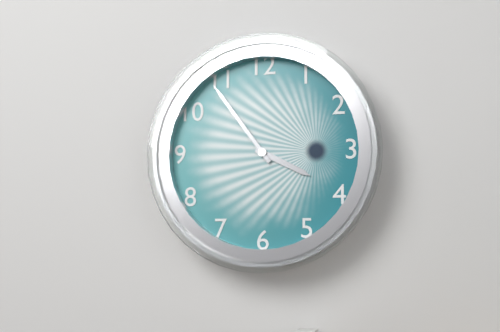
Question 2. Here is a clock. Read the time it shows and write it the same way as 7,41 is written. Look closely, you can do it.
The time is 3,54
